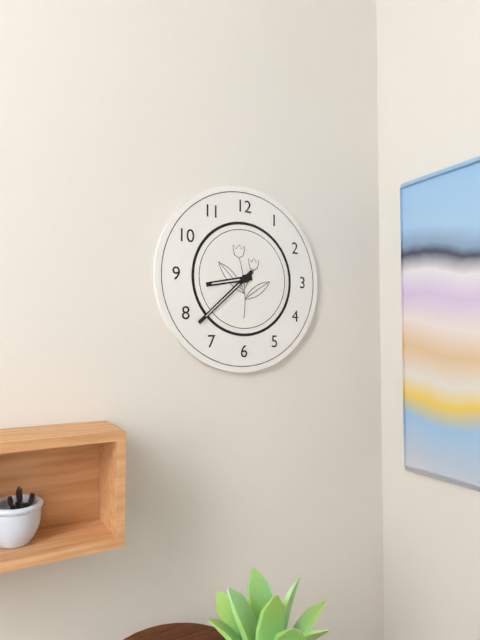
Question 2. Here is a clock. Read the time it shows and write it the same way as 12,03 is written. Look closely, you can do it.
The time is 8,38
